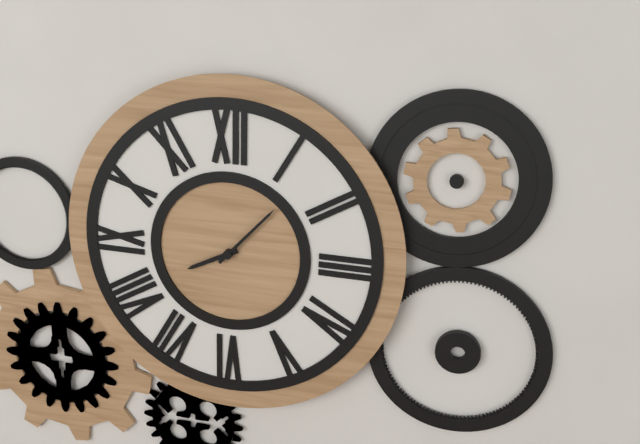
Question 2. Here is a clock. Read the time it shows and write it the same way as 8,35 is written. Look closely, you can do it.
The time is 8,07
